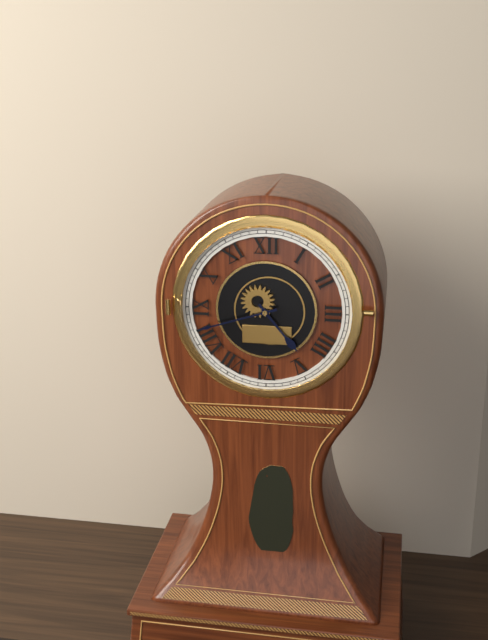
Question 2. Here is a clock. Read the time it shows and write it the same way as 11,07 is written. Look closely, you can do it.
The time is 4,42
